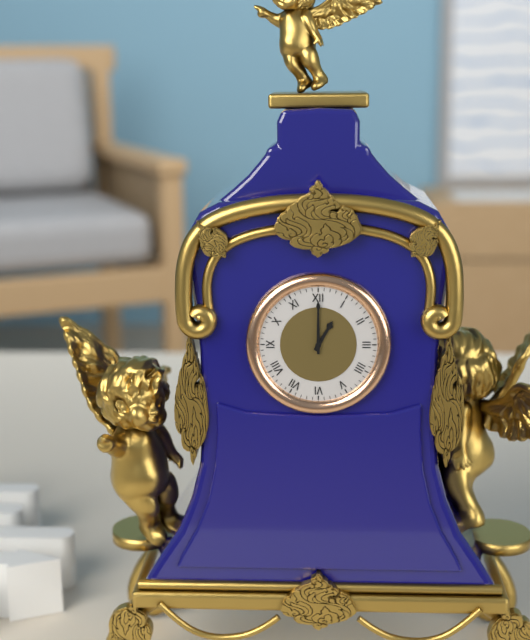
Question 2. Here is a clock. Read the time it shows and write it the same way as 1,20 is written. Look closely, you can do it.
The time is 1,00
